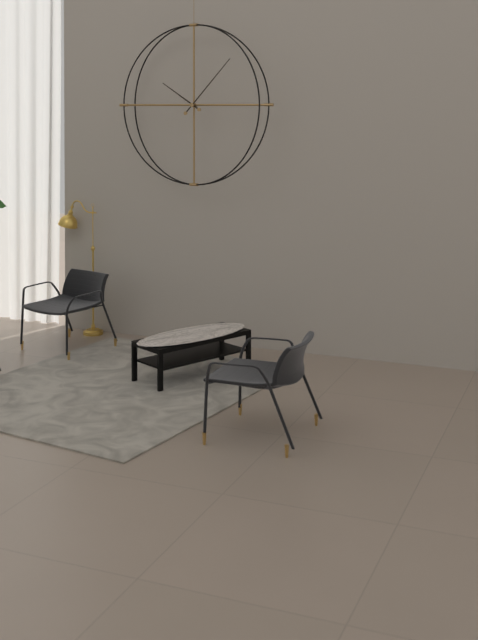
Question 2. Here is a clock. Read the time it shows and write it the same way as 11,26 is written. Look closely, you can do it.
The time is 10,07
